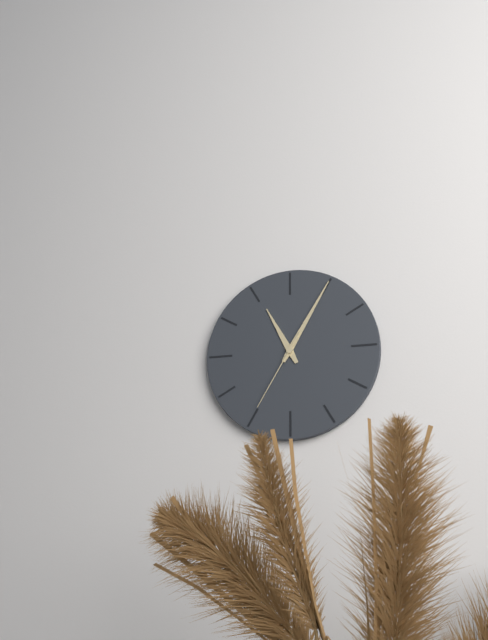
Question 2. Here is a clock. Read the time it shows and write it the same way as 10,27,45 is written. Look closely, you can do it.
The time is 11,05,35
